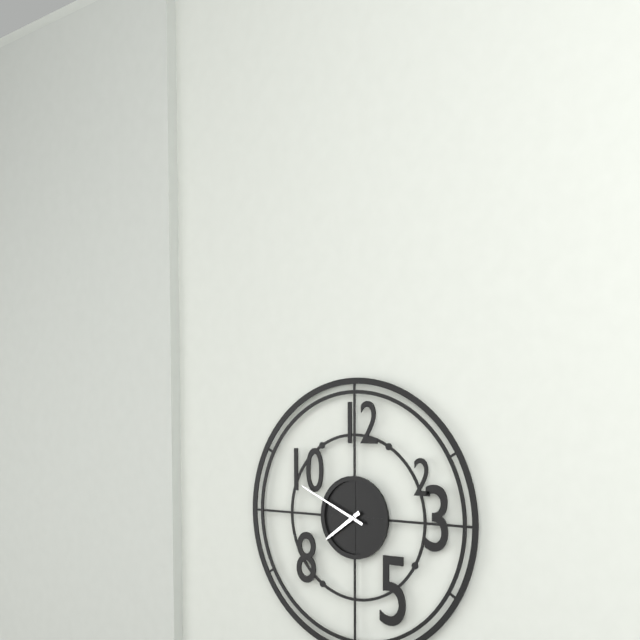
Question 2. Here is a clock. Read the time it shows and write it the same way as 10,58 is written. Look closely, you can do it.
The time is 7,49
